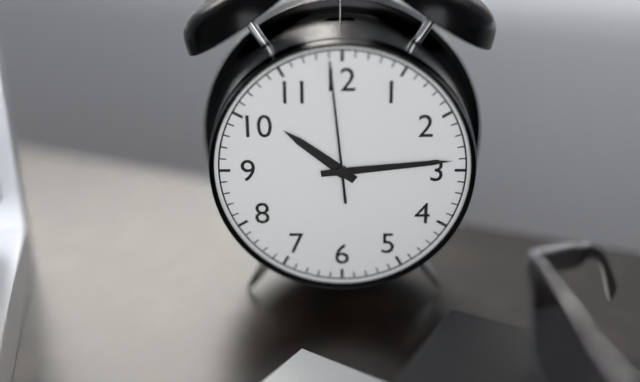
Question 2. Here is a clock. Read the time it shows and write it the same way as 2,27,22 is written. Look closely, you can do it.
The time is 10,14,59
